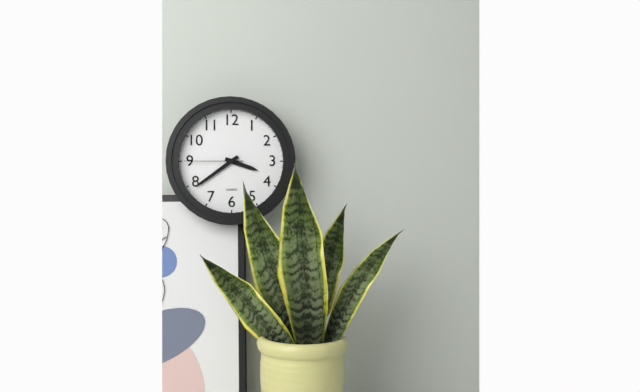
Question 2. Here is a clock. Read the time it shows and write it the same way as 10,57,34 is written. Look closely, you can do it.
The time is 3,39,45
